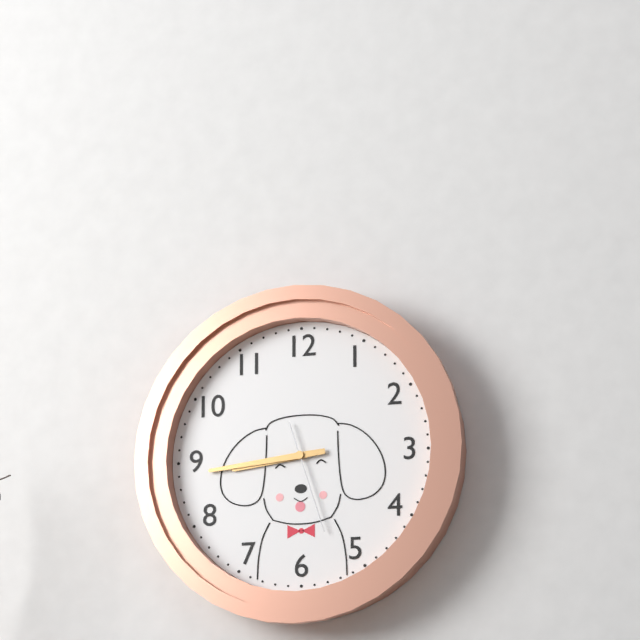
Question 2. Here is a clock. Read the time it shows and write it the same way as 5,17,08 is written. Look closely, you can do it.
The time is 8,44,27
